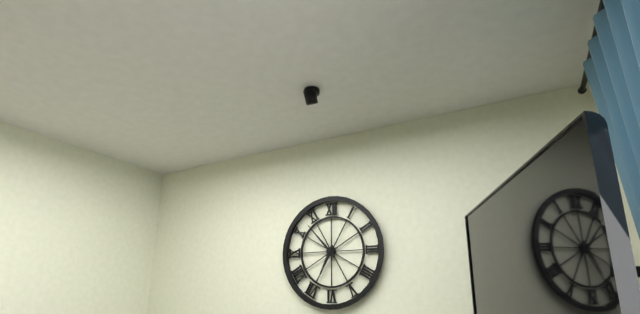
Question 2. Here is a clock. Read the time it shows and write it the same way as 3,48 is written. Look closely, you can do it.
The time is 6,53
